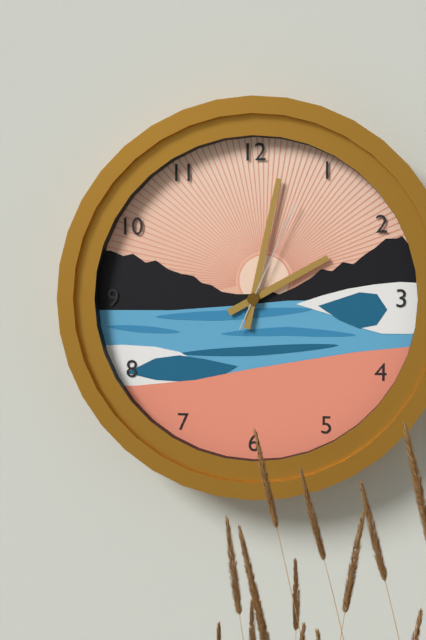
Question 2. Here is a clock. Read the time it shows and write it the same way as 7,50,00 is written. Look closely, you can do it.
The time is 2,02,04
